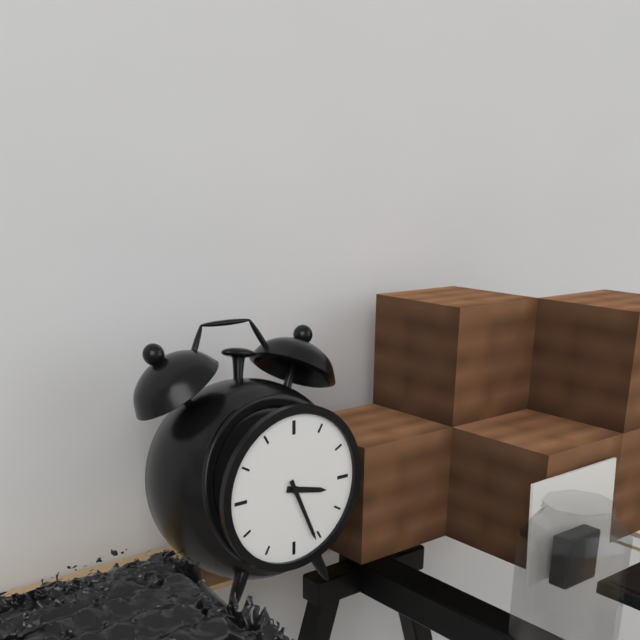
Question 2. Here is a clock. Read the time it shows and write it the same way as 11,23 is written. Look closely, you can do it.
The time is 3,26
